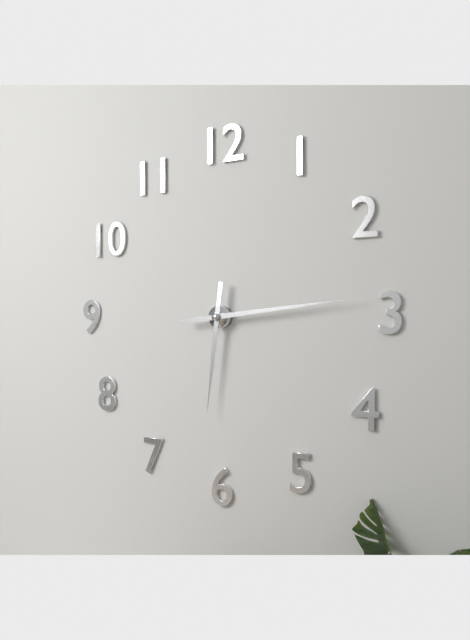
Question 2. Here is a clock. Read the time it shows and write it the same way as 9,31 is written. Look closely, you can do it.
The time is 6,14
